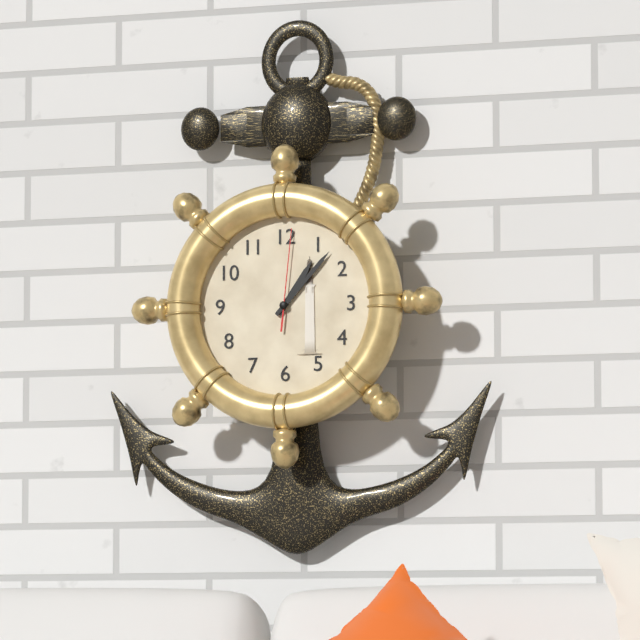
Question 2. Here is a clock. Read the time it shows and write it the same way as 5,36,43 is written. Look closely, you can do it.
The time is 1,07,01
